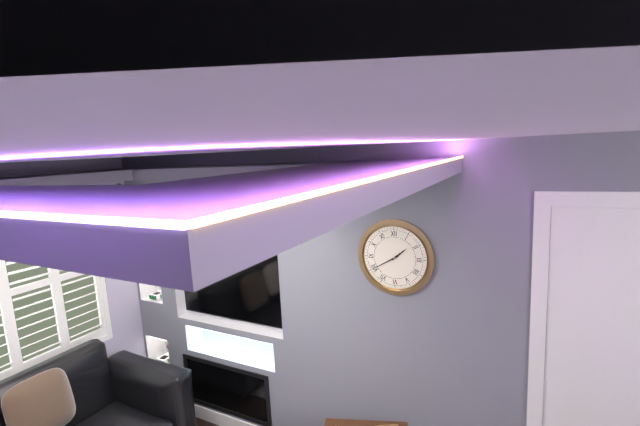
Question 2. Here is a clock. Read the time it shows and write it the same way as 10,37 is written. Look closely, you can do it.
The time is 1,40
